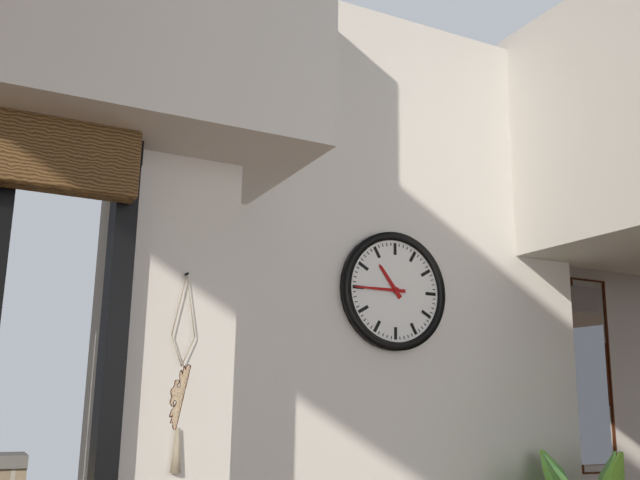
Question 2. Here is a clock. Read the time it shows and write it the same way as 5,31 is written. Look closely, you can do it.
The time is 10,45
